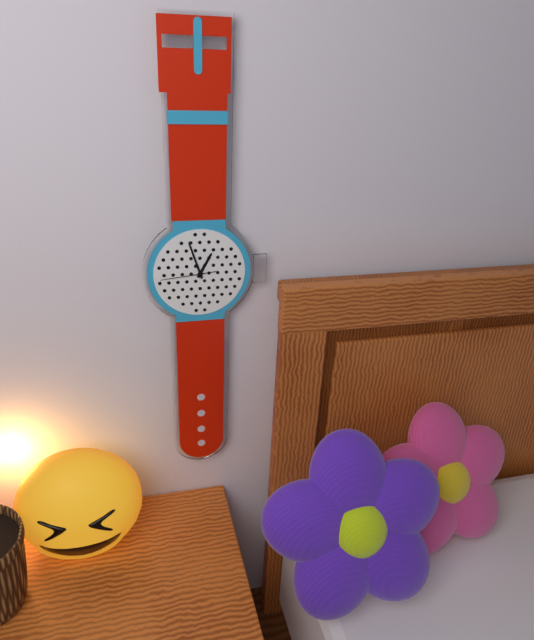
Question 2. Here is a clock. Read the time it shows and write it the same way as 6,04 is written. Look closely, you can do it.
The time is 12,57
